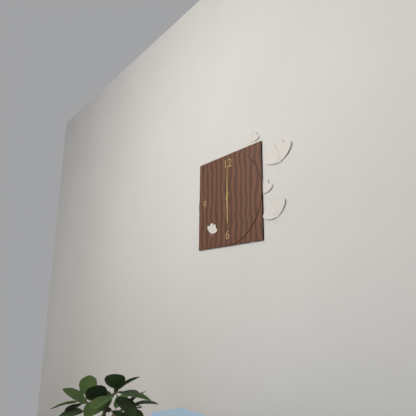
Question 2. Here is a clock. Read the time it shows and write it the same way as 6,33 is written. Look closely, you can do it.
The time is 6,00
